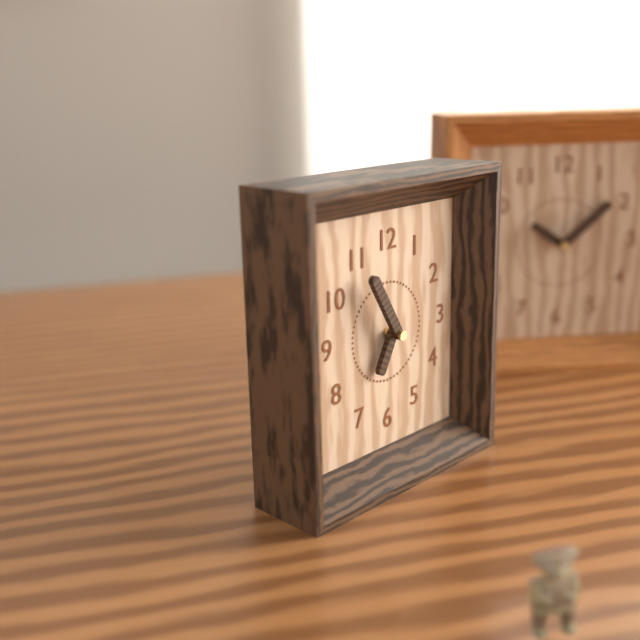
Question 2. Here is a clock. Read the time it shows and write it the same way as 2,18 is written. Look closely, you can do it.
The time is 6,55
